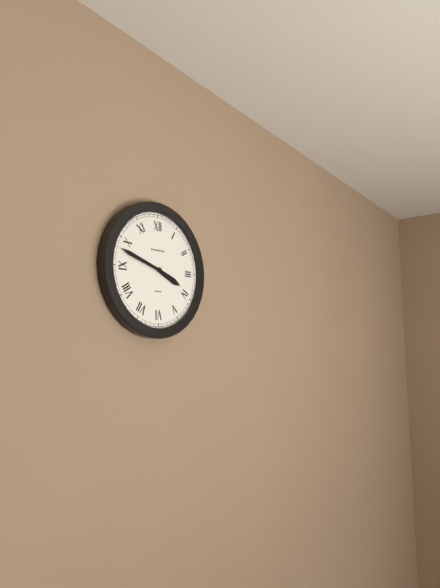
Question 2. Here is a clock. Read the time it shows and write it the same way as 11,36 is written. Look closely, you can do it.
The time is 3,48
